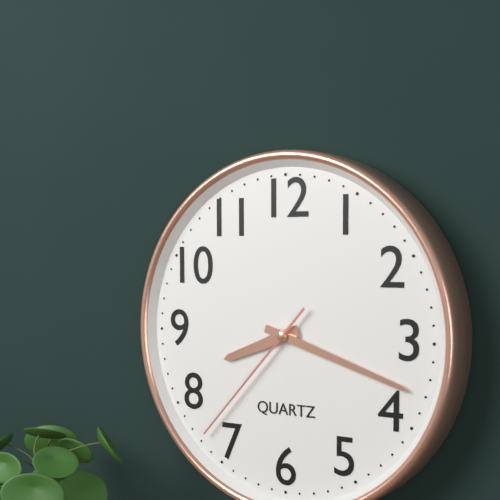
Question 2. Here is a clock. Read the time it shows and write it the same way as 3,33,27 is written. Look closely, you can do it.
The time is 8,18,37
